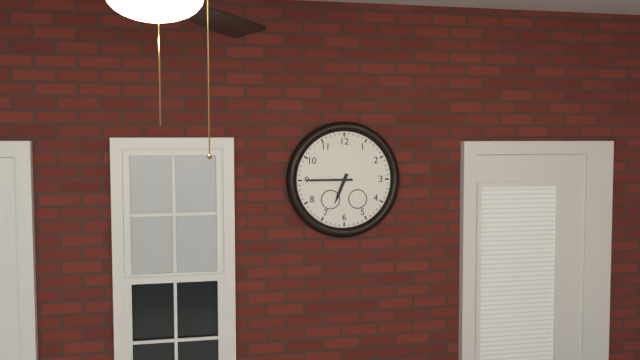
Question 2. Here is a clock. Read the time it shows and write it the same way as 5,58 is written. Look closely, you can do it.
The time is 6,45
